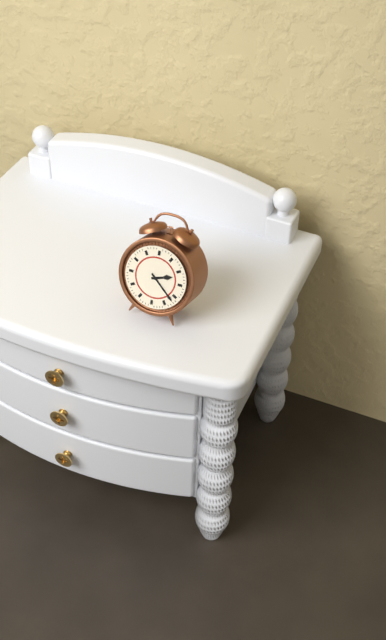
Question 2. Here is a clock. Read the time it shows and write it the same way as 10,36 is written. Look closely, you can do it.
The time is 2,22
